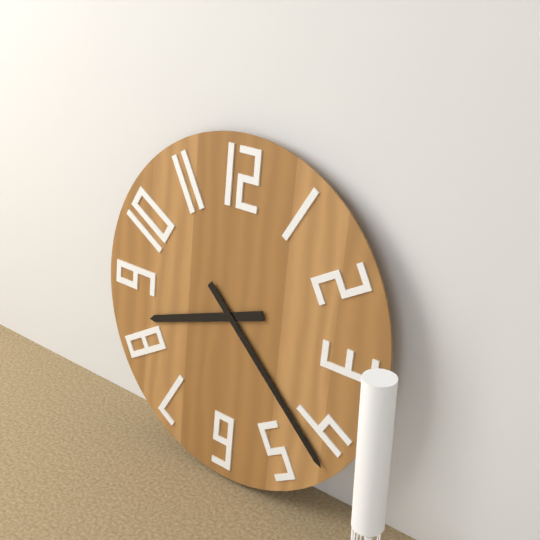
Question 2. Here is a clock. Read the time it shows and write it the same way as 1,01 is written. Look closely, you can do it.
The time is 8,22
